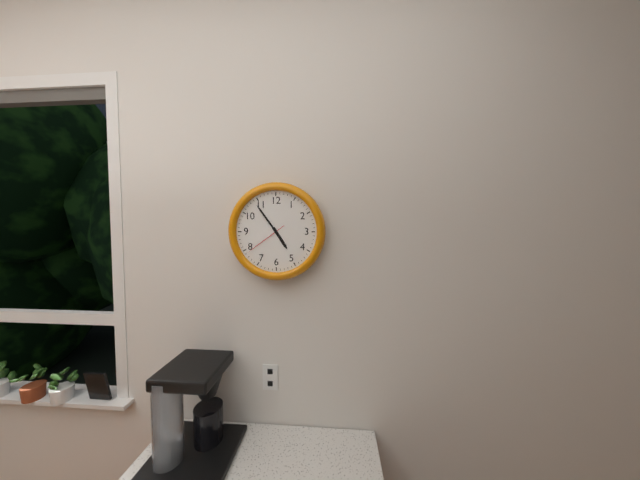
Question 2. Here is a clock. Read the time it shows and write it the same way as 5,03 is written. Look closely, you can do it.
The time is 4,54
